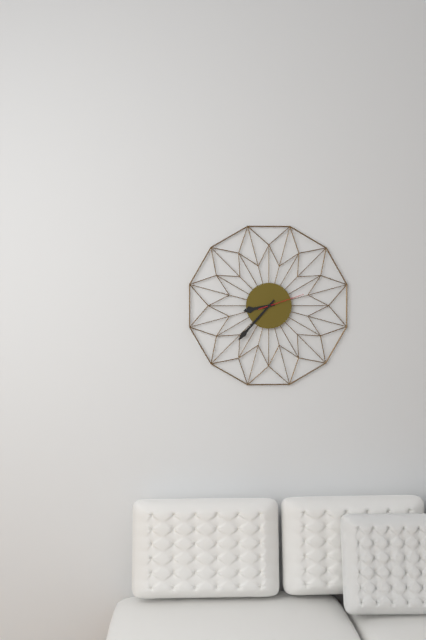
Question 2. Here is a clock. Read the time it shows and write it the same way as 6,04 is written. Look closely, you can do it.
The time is 8,37
